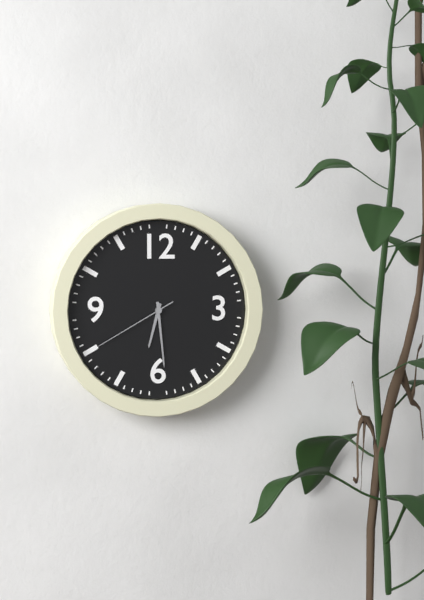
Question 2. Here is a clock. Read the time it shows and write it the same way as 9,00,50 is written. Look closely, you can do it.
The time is 6,29,40
